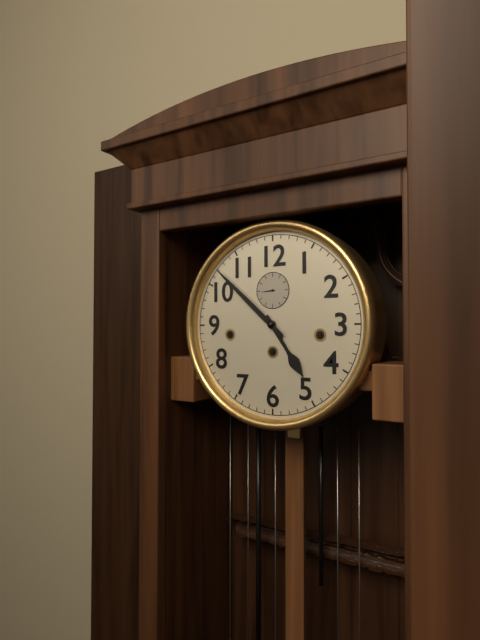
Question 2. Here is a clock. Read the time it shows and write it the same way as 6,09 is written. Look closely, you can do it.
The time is 4,52
